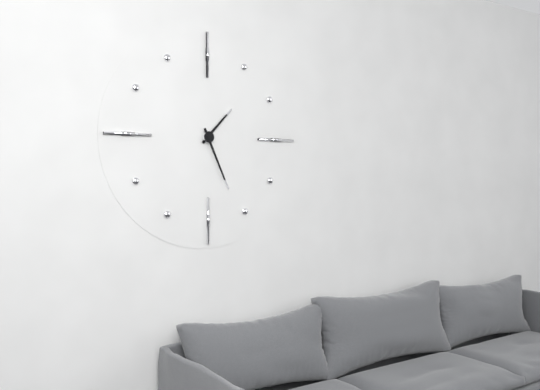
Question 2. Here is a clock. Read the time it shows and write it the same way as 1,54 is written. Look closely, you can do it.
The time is 1,26
